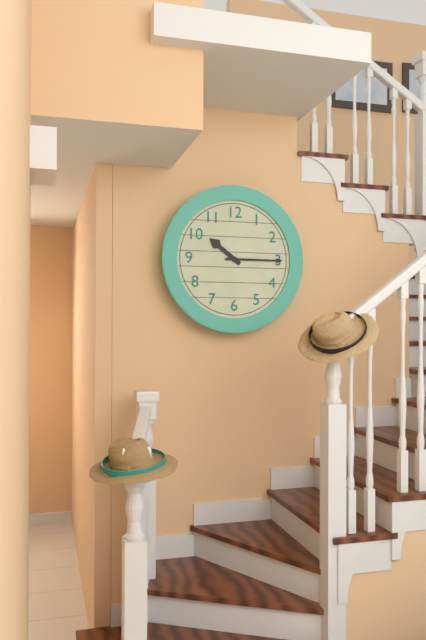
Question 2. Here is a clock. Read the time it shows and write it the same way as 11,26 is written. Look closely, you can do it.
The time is 10,15
